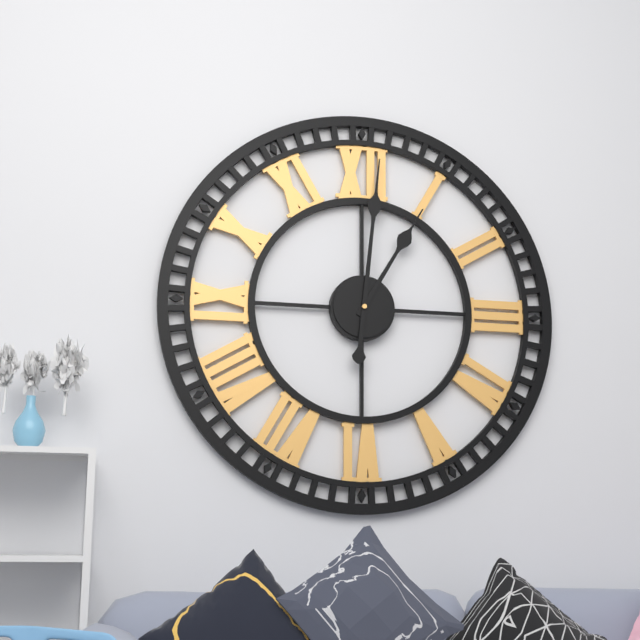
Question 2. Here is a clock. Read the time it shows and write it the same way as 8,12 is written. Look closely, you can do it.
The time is 1,01
